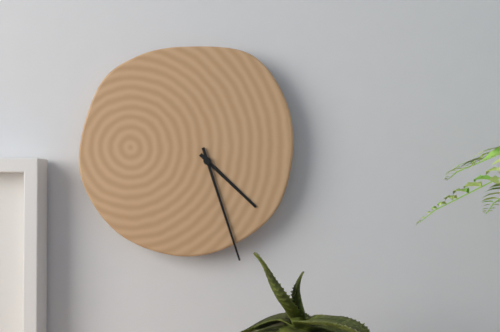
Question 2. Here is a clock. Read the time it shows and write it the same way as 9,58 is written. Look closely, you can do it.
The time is 4,27
